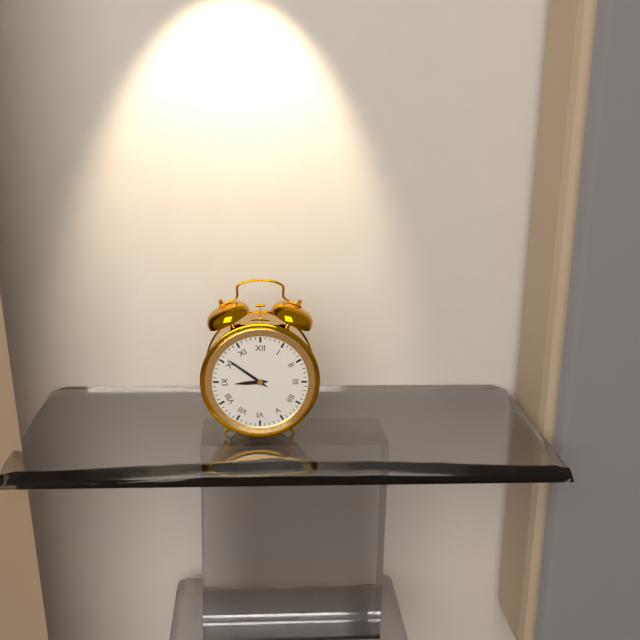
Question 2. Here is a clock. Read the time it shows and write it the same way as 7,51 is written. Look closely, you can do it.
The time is 8,51
